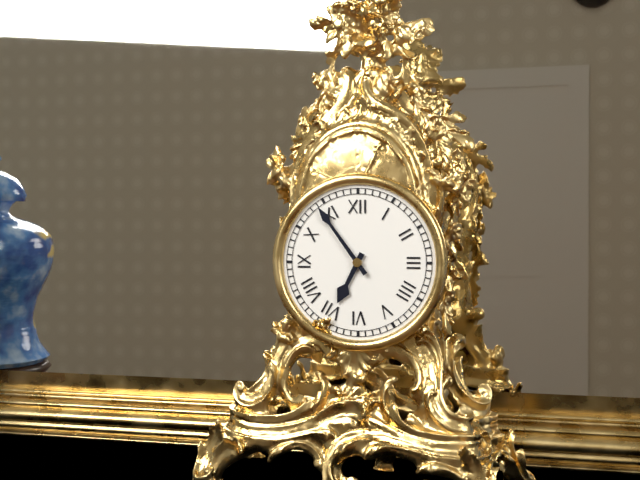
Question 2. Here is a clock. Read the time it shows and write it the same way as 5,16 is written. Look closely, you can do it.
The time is 6,54
